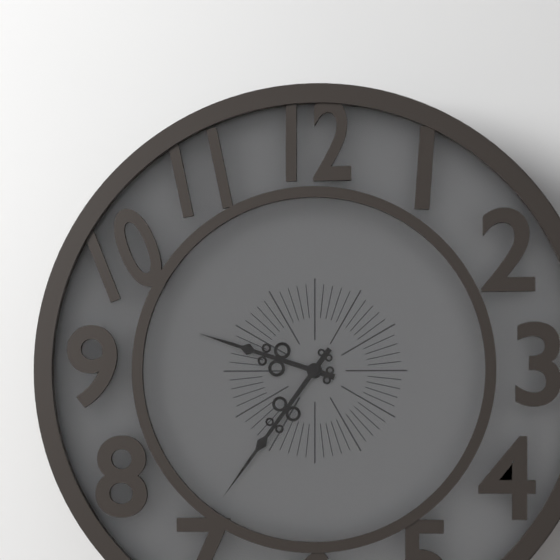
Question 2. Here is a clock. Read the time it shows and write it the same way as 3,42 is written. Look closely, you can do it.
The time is 9,36
